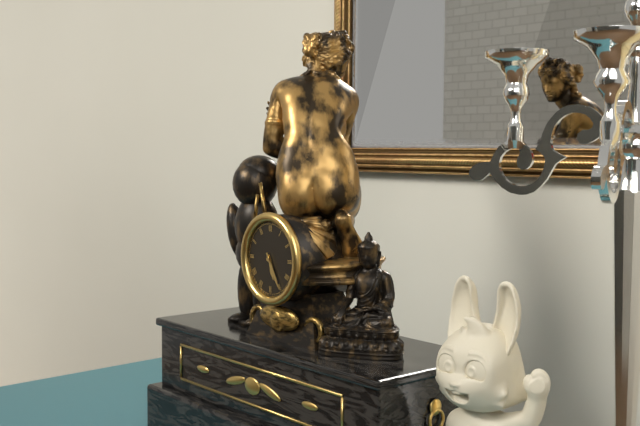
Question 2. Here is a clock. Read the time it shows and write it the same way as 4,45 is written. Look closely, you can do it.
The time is 5,25
